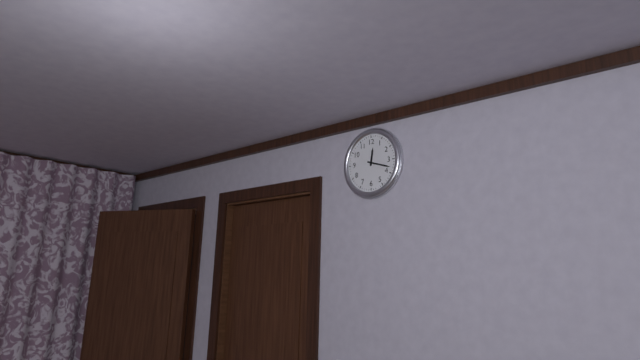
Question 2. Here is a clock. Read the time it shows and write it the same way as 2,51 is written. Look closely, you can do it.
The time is 12,18
